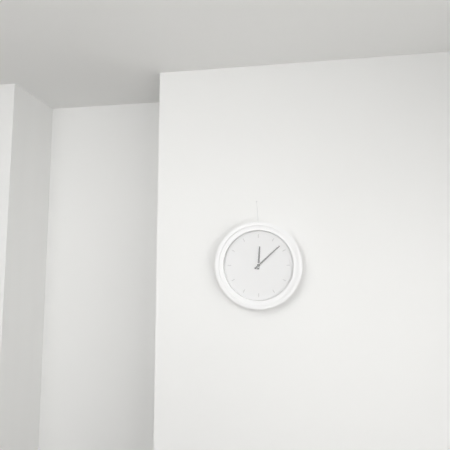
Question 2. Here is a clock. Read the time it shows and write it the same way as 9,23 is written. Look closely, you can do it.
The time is 12,08
